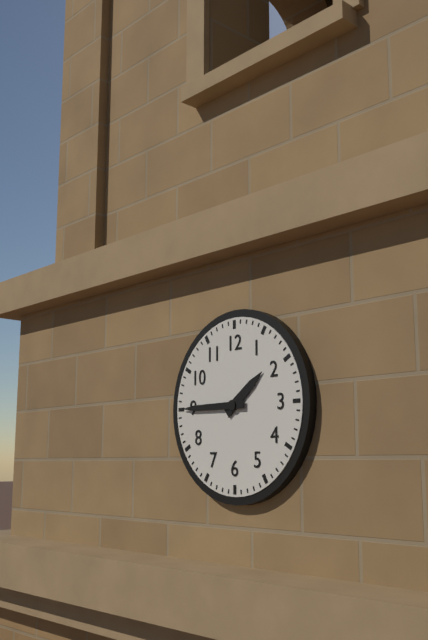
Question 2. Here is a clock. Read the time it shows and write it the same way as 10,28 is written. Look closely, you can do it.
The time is 1,45
